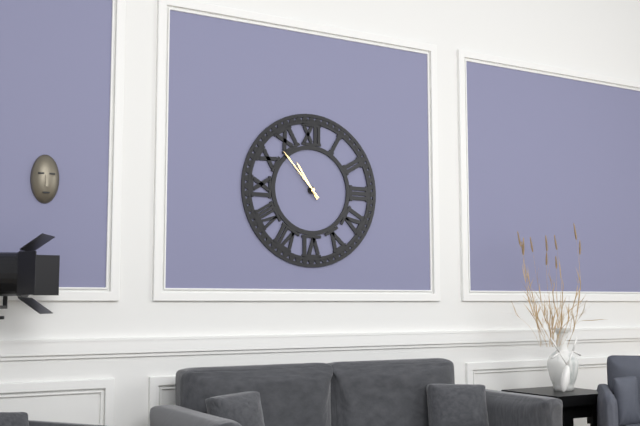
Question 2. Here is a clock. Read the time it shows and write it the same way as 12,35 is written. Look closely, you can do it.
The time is 10,53
